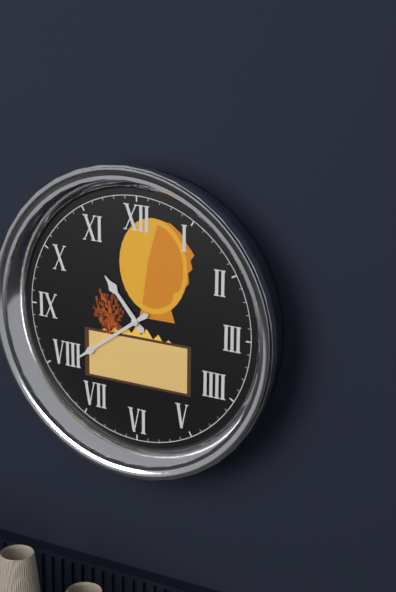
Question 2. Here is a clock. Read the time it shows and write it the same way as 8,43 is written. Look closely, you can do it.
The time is 10,39
